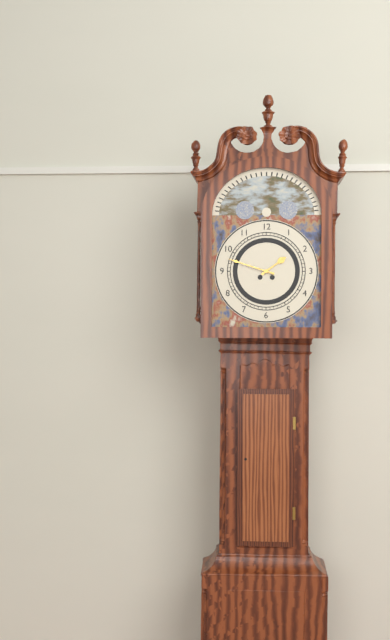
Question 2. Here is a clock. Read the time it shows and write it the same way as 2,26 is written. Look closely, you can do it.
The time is 1,48
